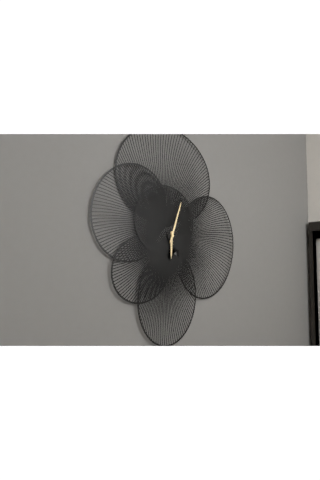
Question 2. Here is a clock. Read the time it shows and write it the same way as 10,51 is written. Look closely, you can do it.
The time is 6,03
